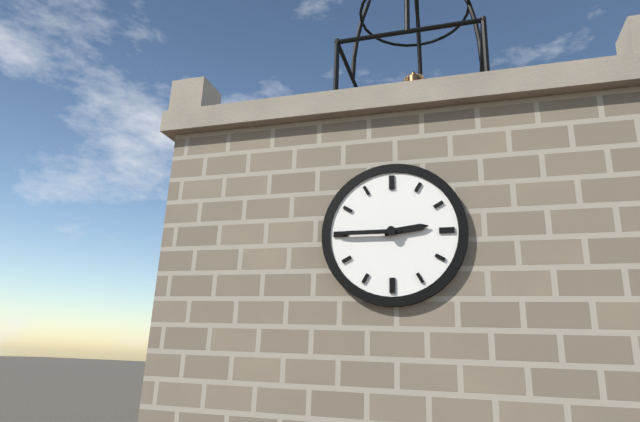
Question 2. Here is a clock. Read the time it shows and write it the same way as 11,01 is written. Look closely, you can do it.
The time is 2,45
